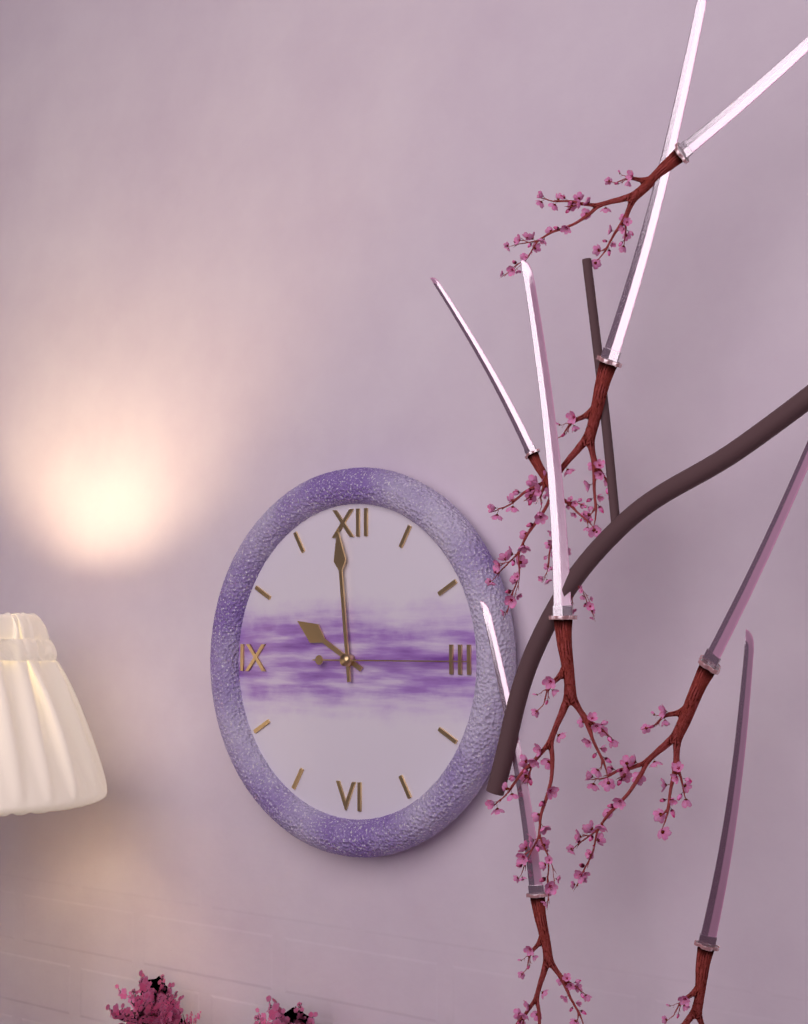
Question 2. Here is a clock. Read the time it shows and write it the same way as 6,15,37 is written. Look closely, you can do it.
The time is 9,59,15
